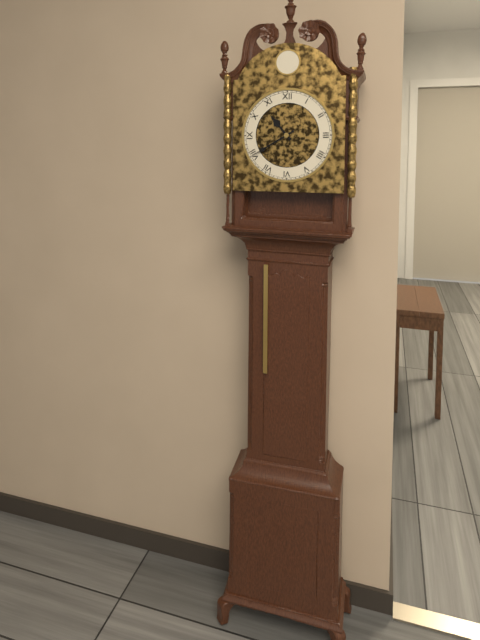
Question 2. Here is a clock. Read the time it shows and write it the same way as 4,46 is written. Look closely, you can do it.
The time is 10,40
